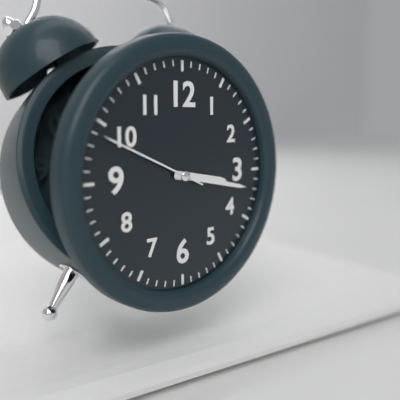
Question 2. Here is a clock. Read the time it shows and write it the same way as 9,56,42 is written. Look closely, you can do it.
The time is 3,17,49
